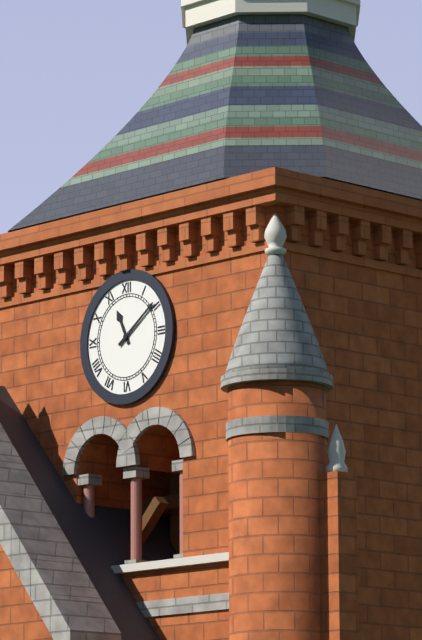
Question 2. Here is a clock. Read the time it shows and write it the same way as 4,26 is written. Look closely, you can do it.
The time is 11,09
